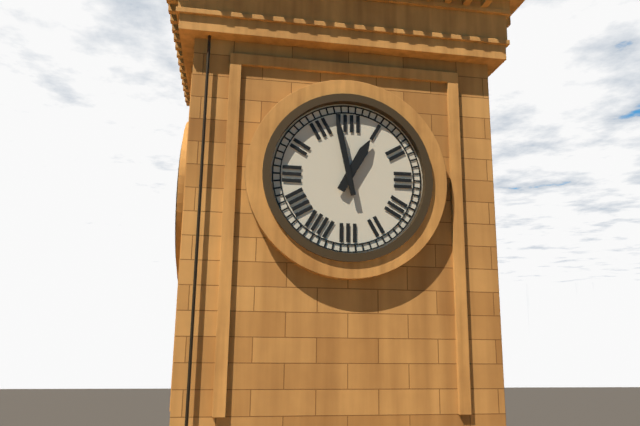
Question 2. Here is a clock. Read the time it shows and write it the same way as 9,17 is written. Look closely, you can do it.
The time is 12,58
